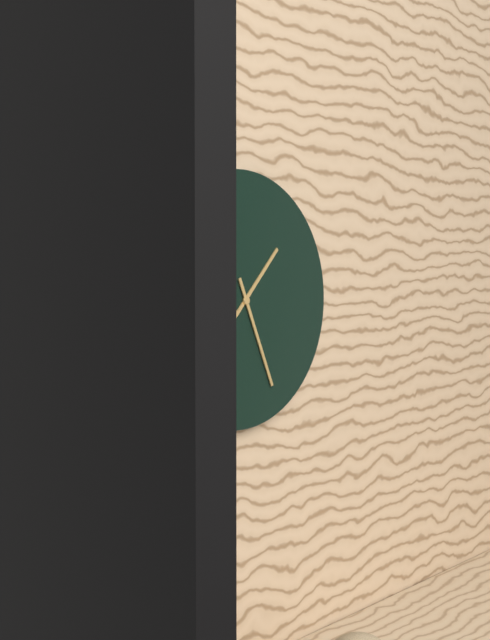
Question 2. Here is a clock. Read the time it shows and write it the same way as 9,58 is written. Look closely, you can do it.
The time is 1,26
